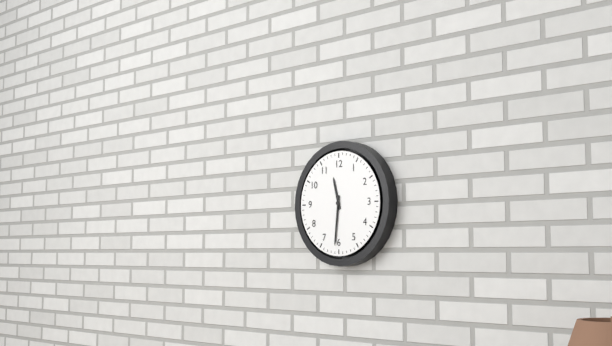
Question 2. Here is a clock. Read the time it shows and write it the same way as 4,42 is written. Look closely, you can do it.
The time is 11,31
